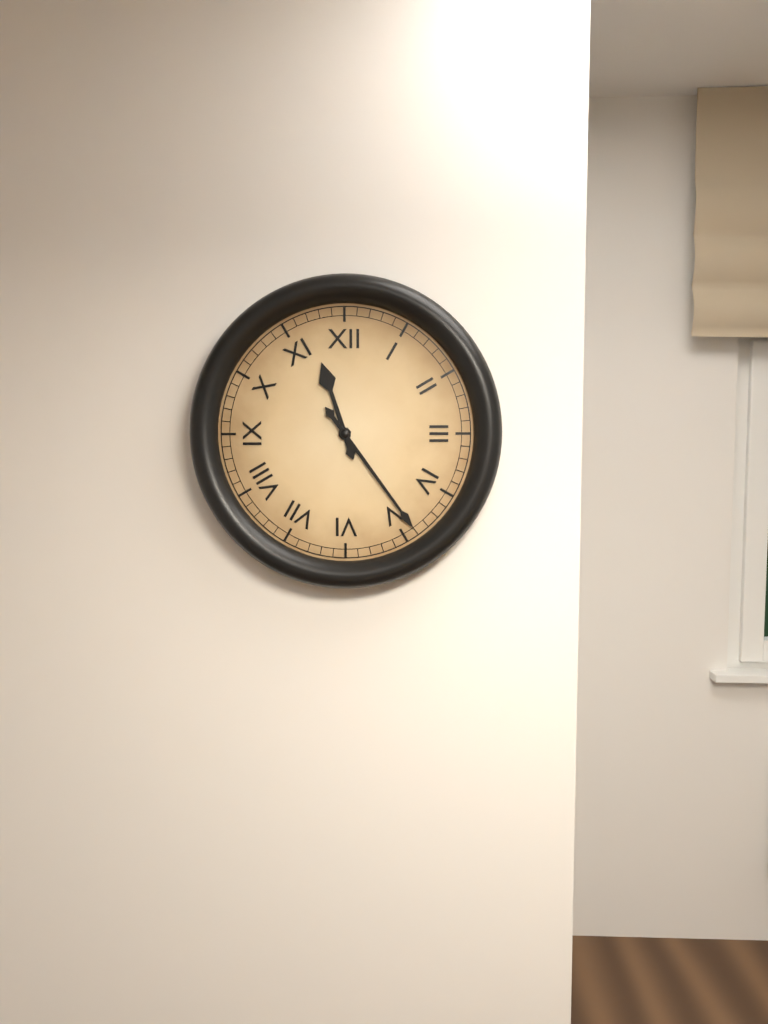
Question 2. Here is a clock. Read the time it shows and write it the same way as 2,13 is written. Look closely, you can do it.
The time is 11,24
